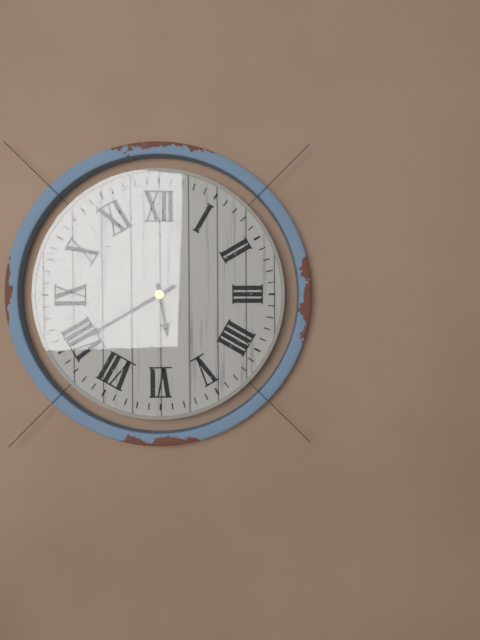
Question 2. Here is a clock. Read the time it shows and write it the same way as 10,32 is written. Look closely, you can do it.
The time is 5,40
